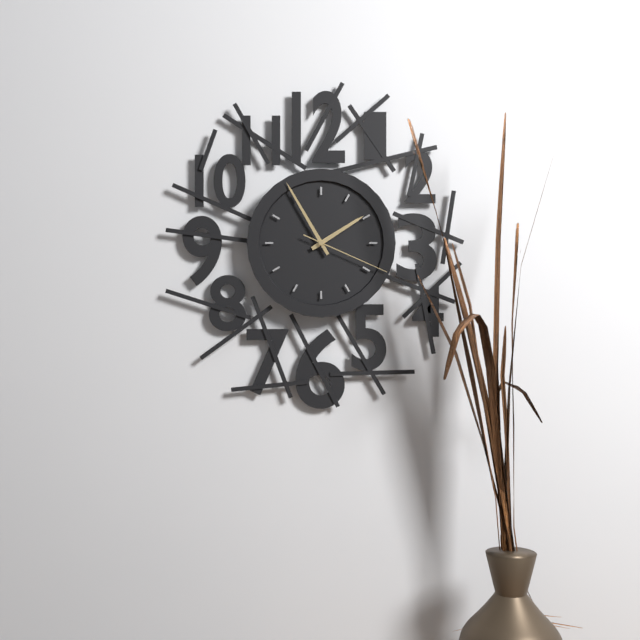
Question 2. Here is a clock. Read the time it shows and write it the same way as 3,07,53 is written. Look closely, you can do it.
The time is 1,55,19
